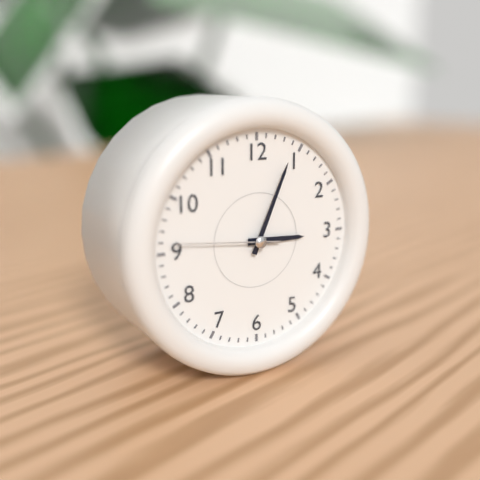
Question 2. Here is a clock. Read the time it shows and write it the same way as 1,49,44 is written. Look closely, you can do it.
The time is 3,04,46
